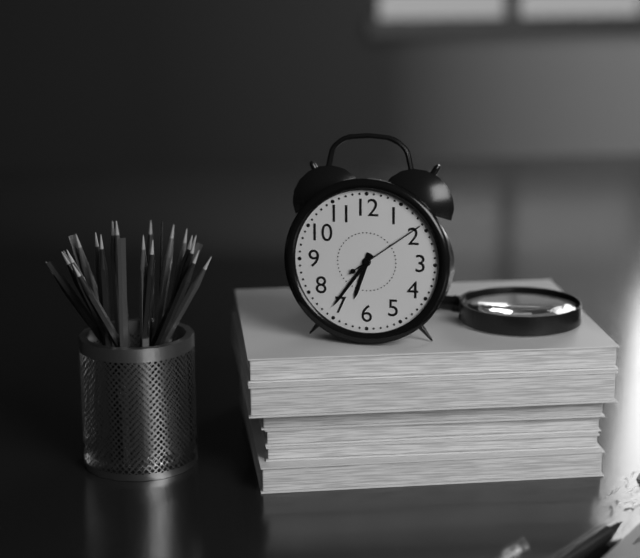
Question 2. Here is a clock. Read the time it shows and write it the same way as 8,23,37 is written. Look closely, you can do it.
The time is 6,36,09
